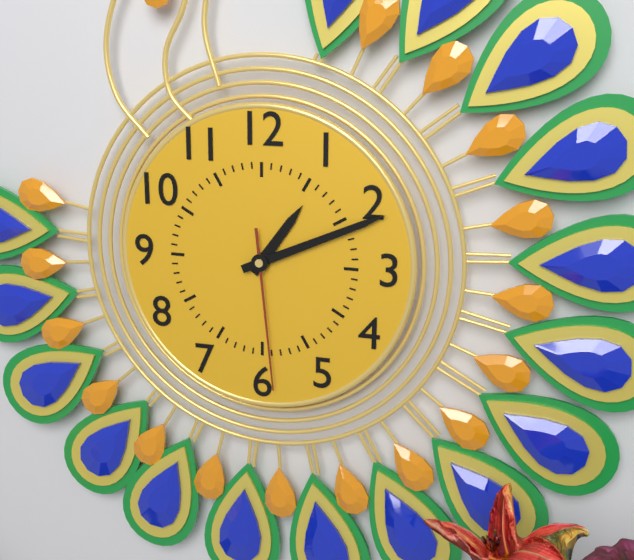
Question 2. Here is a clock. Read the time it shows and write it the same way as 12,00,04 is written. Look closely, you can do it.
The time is 1,11,29
